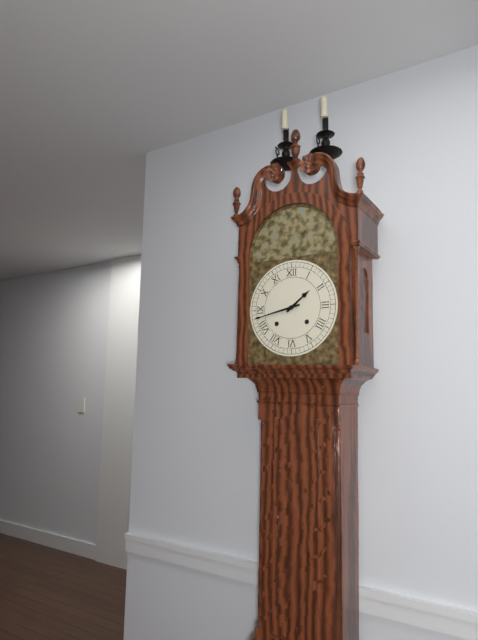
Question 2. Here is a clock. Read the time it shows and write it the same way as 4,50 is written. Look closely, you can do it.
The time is 1,43
